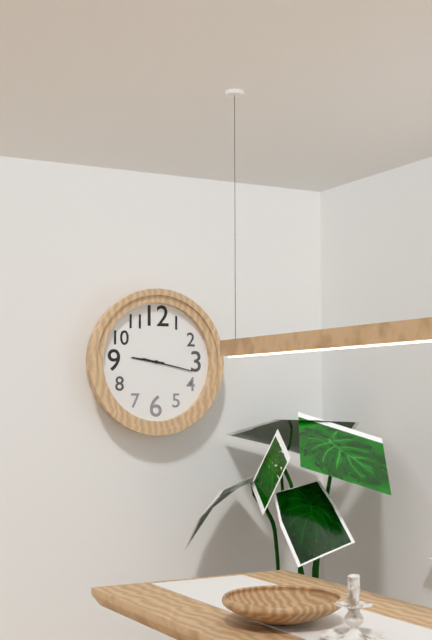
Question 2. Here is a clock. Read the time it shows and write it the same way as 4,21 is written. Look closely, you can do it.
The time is 9,17
